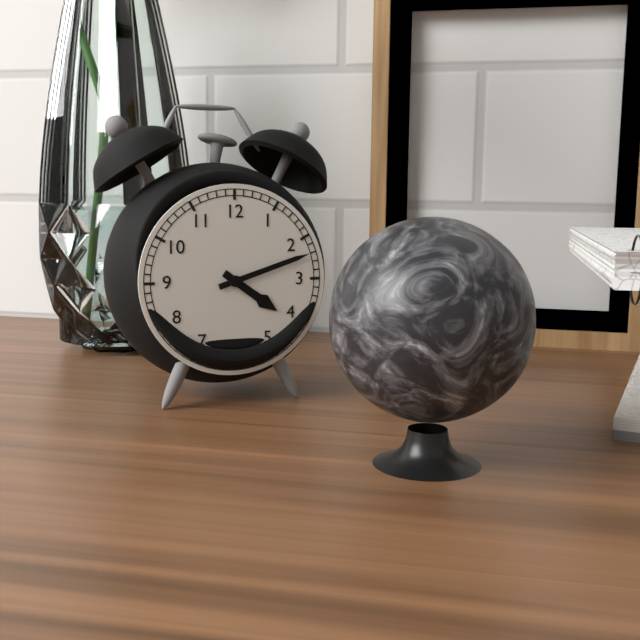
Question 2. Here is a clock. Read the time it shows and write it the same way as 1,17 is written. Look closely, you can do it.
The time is 4,12
